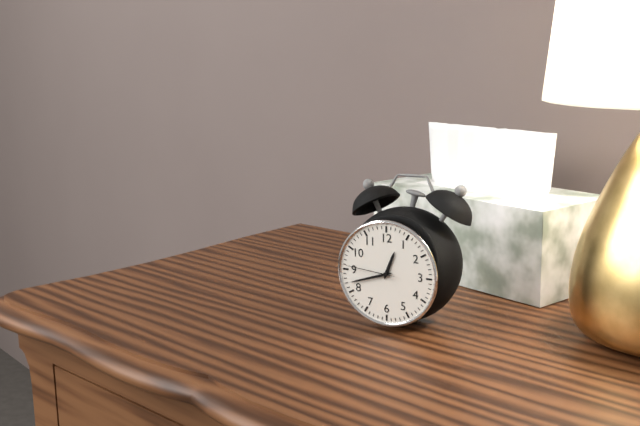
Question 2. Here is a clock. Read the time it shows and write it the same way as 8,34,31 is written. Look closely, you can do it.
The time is 12,42,46
